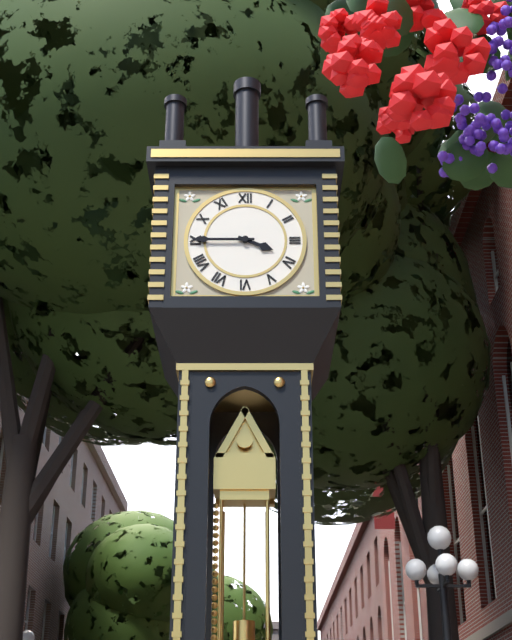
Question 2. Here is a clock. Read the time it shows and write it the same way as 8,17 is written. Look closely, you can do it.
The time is 3,45
